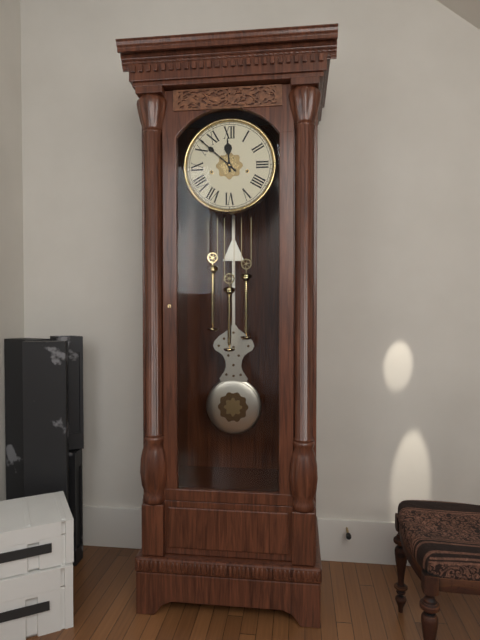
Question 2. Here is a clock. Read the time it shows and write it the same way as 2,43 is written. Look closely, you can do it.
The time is 11,52
